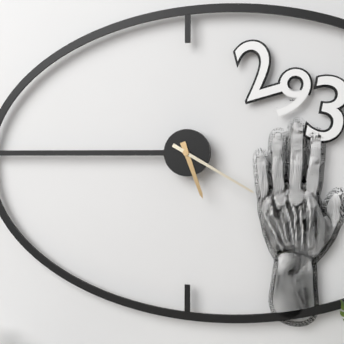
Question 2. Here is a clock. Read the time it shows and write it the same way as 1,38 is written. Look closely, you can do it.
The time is 5,20
